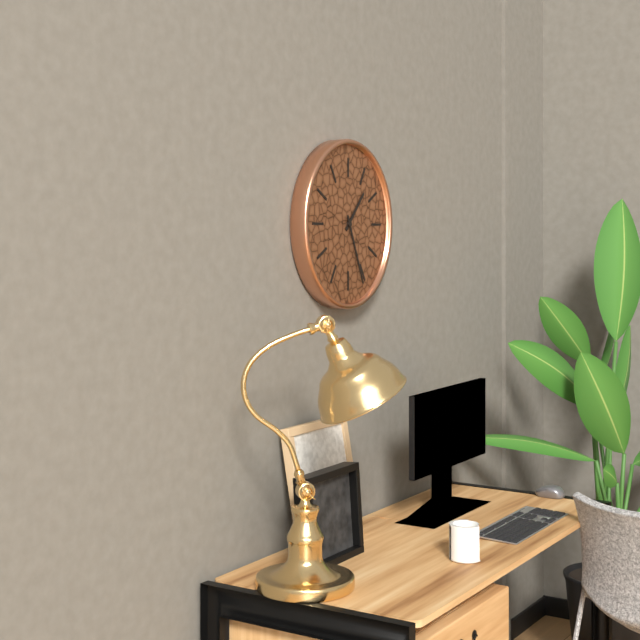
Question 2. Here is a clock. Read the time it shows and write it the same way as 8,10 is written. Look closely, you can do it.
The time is 1,26
